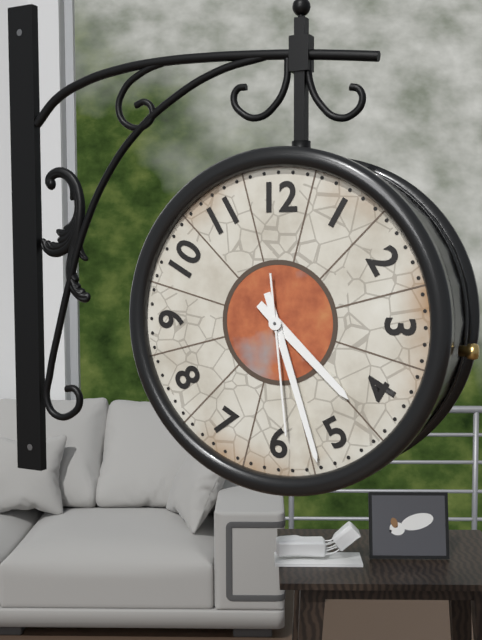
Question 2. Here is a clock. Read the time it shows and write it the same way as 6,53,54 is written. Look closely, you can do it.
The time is 4,27,29
